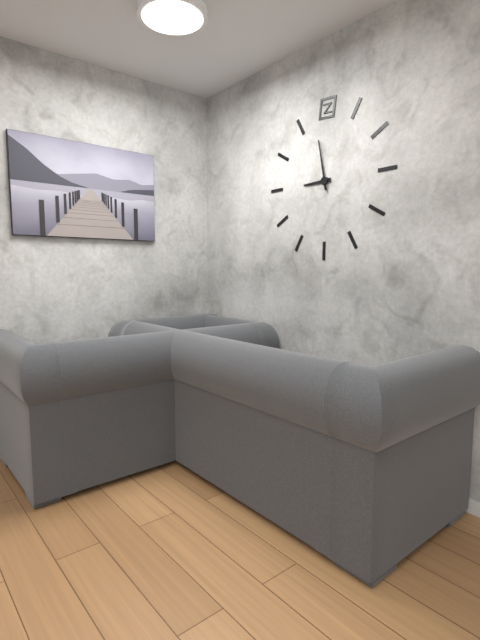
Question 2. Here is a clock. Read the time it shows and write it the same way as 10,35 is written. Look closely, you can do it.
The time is 8,58
